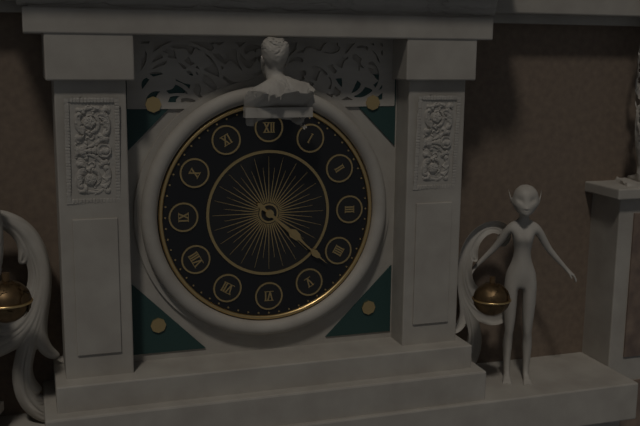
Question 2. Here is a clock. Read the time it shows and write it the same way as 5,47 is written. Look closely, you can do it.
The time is 4,22
